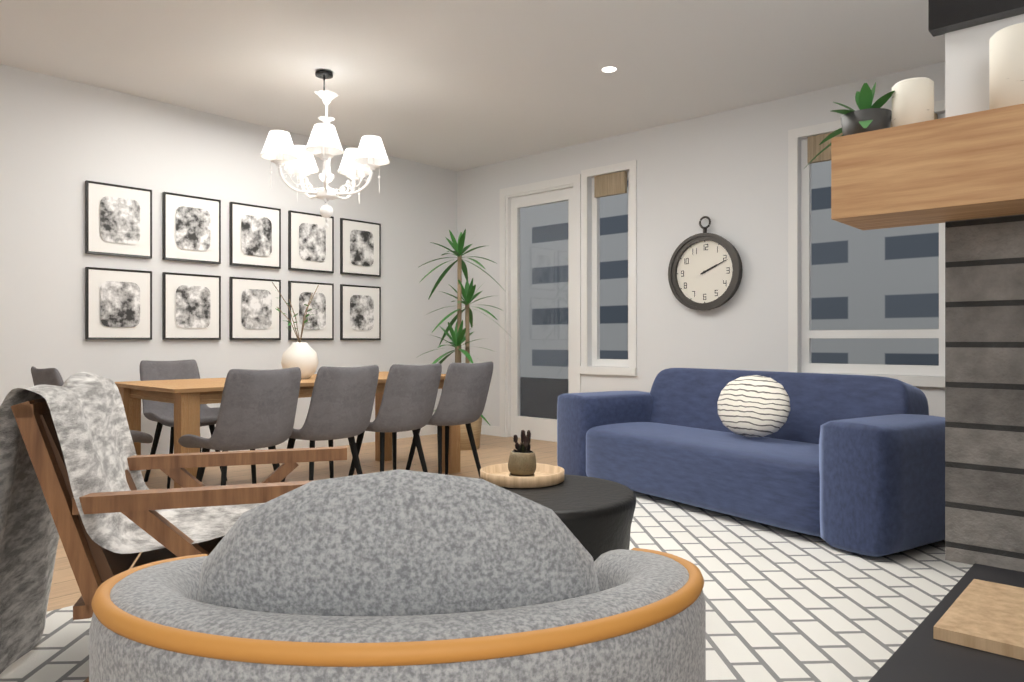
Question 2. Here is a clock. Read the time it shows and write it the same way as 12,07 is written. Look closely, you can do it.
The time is 2,11
